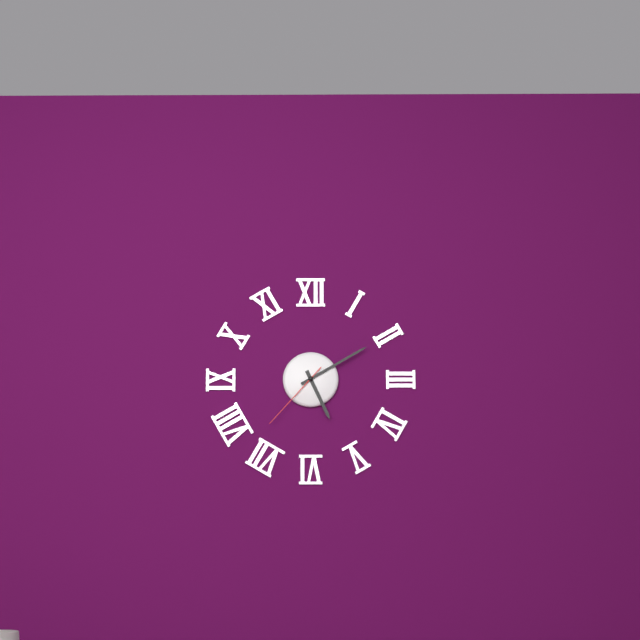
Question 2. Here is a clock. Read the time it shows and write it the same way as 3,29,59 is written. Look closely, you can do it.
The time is 5,10,37
